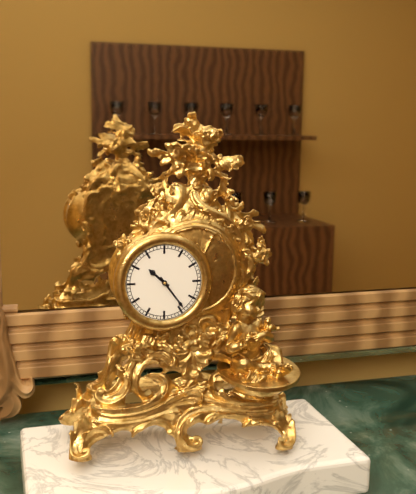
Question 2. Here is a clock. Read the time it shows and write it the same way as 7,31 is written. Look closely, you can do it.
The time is 10,24
